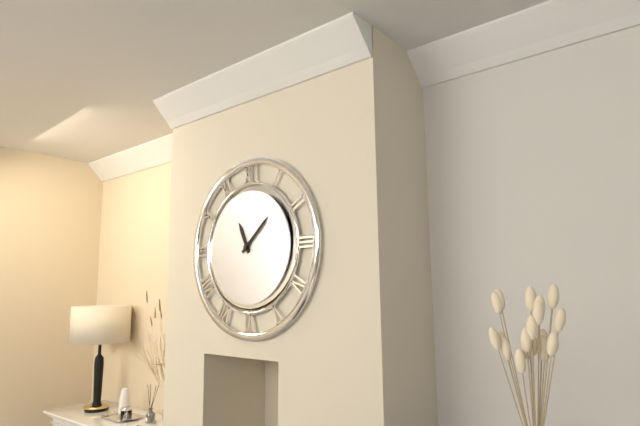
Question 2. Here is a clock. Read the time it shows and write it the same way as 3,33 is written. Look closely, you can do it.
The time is 11,08
